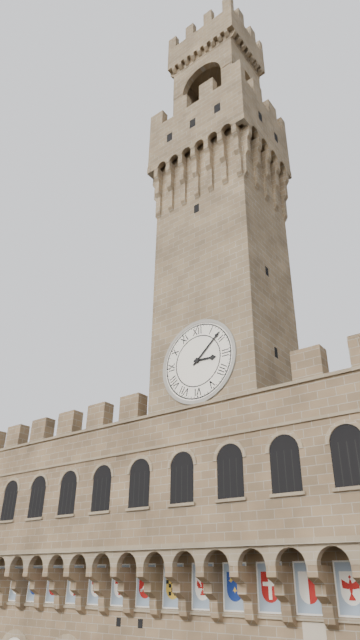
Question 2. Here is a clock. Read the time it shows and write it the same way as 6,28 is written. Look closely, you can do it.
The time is 3,08
